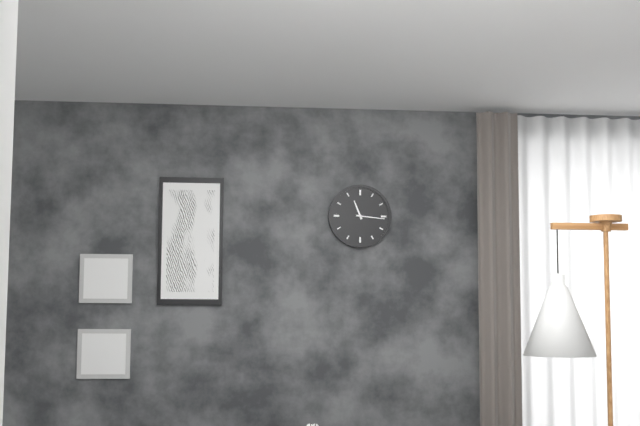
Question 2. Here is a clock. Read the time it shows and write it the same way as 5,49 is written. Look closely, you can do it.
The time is 11,16
